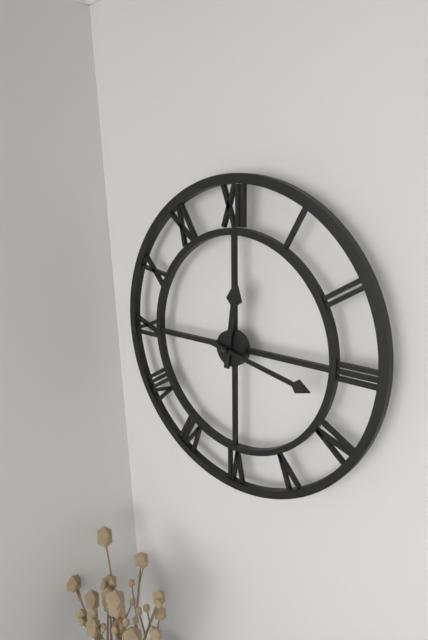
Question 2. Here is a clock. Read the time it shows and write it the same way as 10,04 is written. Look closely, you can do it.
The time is 12,17
